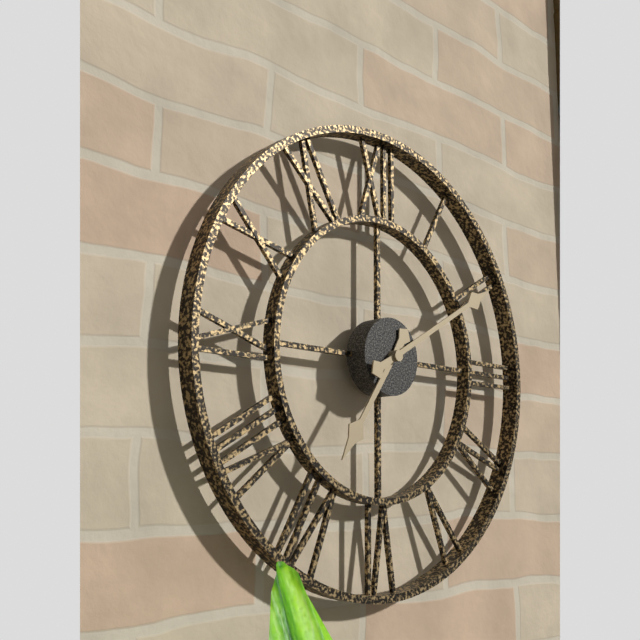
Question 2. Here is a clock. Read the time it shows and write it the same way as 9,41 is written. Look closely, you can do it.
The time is 7,10
